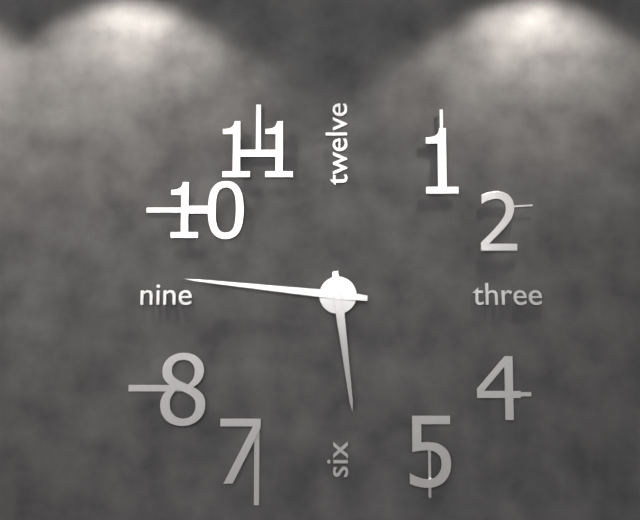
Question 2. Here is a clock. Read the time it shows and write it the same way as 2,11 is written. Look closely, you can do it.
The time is 5,46
